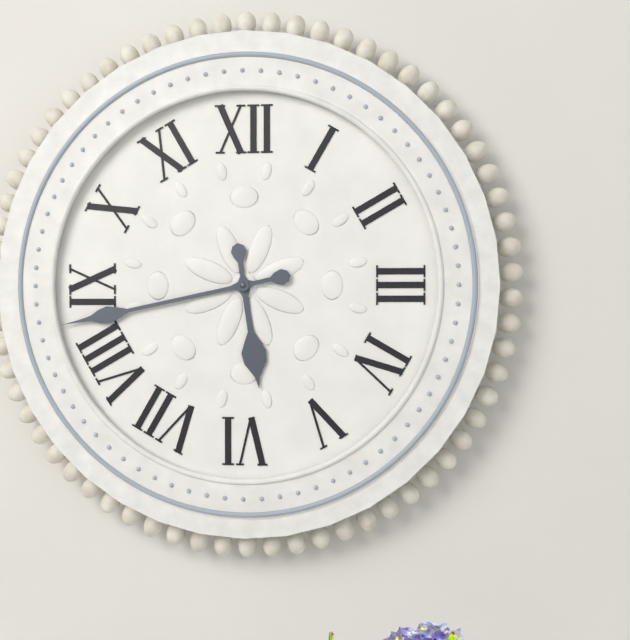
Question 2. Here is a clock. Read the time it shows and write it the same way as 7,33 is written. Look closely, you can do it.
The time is 5,43
